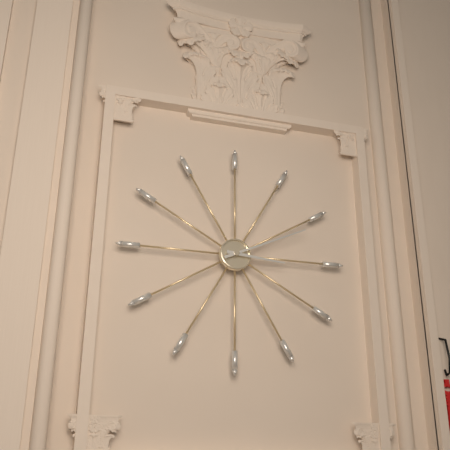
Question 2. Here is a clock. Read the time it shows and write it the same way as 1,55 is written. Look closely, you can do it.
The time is 3,11
